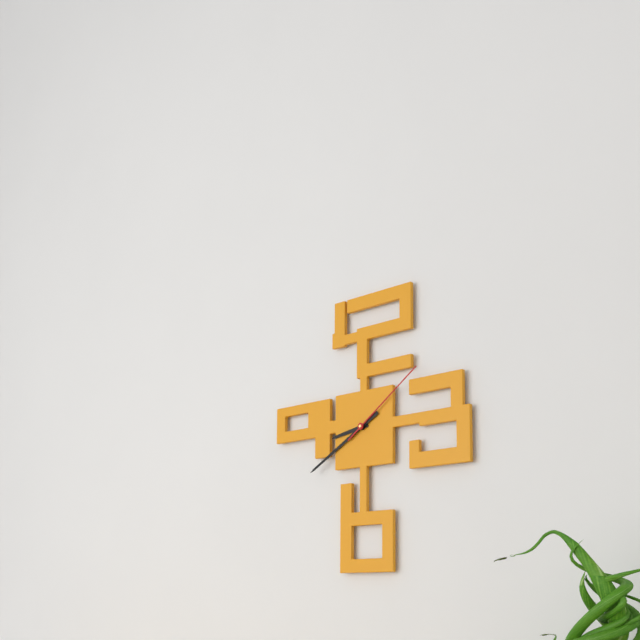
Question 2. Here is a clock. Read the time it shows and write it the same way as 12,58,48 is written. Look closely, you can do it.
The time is 8,40,09
